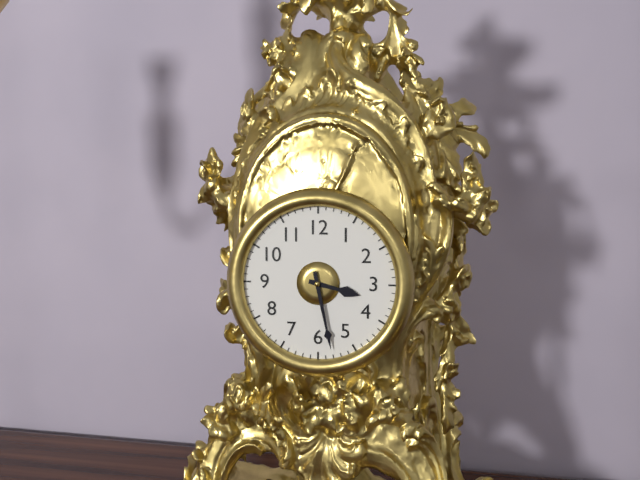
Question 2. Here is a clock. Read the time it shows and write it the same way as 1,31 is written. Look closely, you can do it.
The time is 3,28
